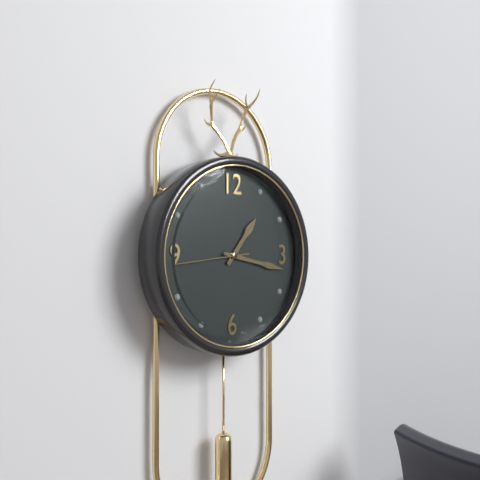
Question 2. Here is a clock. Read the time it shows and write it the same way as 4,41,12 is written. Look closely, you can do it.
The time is 1,17,44
